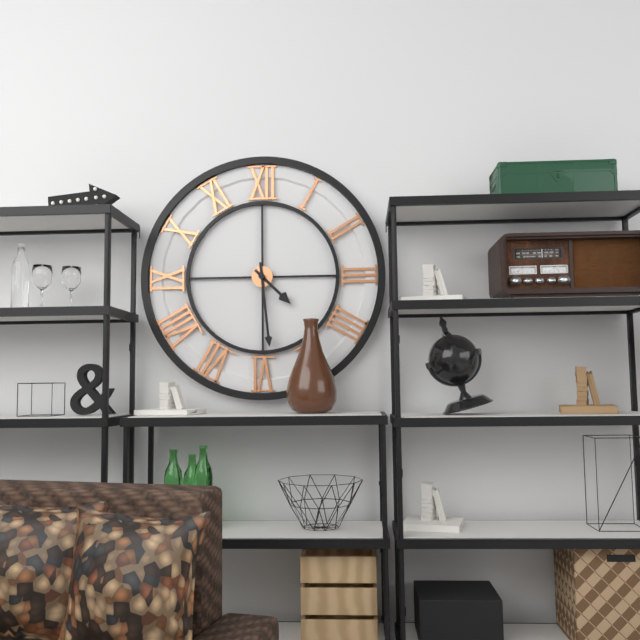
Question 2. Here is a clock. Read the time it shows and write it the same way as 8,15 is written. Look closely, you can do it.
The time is 4,29
